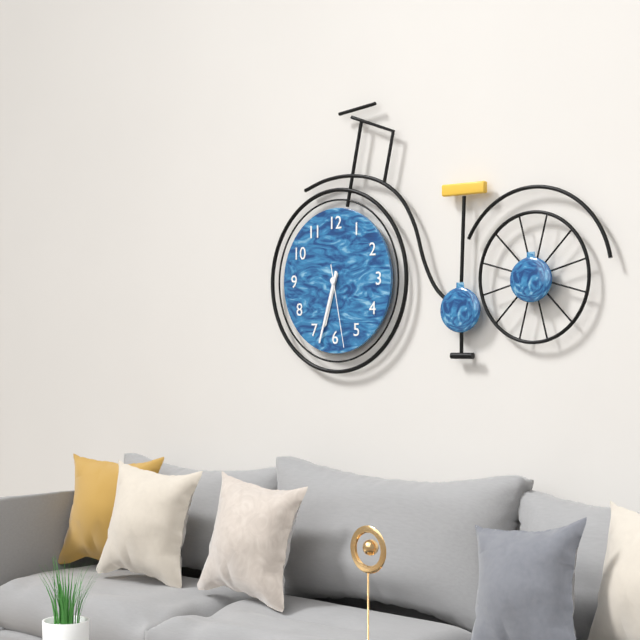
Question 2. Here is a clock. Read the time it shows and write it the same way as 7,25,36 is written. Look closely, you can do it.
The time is 6,33,28
